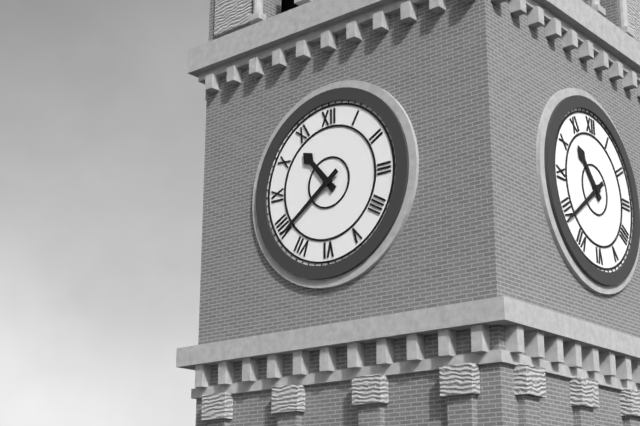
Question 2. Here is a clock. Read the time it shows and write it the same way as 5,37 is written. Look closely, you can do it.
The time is 10,39
